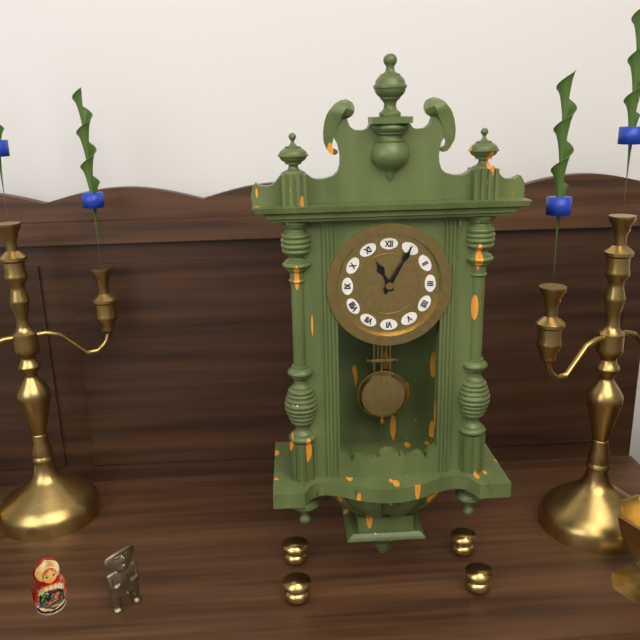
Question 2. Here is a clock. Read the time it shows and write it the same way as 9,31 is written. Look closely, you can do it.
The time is 11,05
